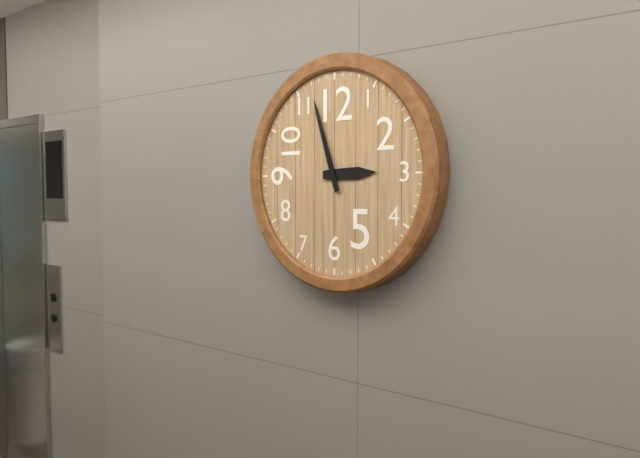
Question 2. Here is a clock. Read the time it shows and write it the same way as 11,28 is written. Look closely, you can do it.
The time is 2,57
